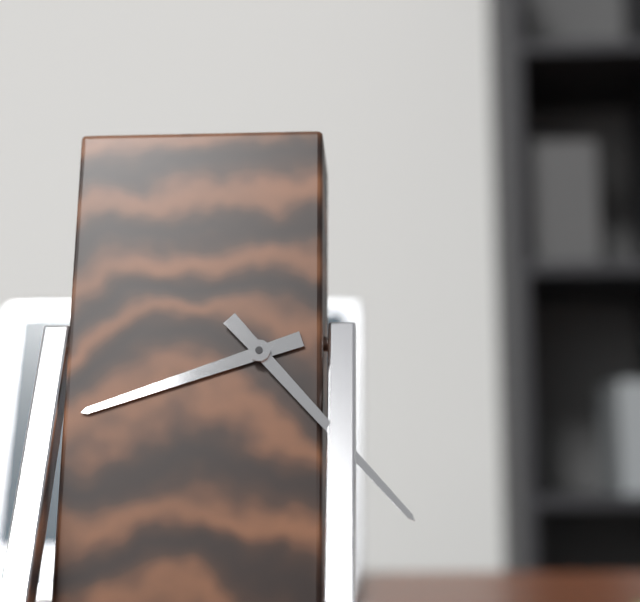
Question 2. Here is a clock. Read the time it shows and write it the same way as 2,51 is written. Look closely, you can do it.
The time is 8,23
